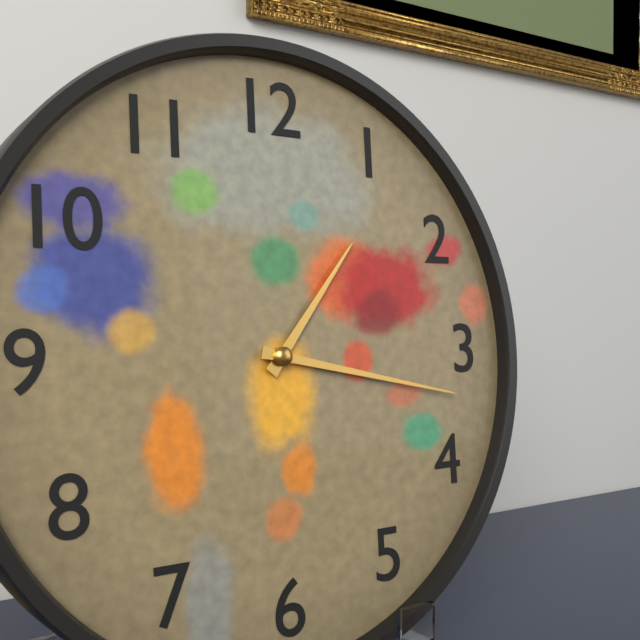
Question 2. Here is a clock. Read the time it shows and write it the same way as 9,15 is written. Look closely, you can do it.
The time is 1,17
